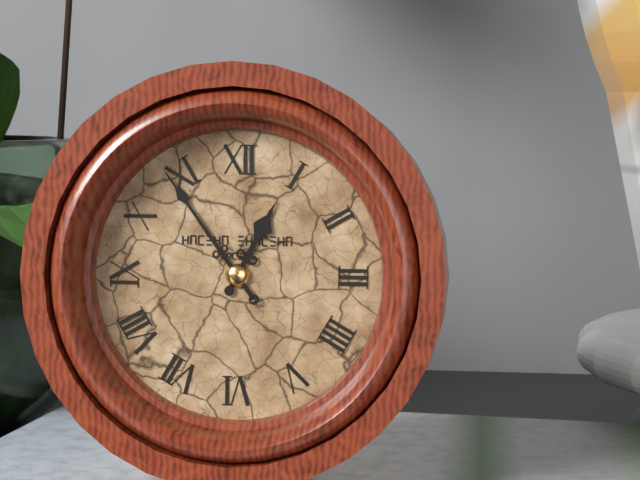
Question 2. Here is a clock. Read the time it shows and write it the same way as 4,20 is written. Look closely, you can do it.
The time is 12,54
